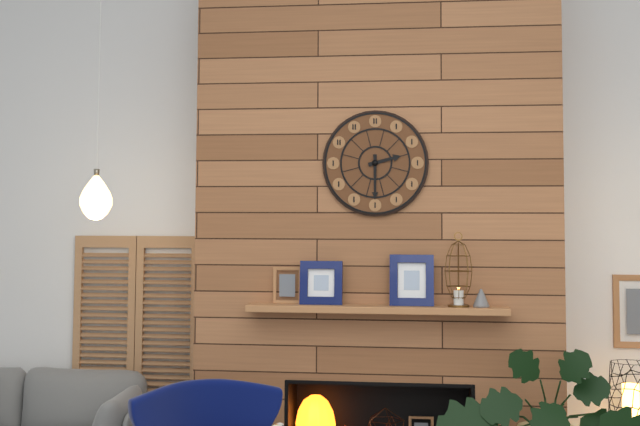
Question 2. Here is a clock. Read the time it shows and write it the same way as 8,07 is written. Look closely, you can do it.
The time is 2,30
